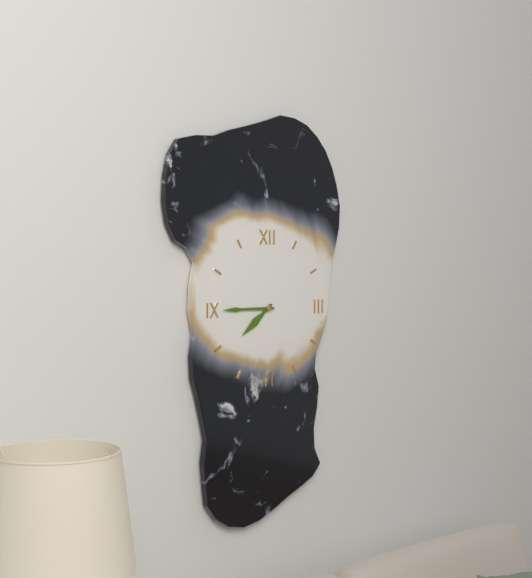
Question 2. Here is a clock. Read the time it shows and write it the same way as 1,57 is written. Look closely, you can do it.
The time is 7,45
